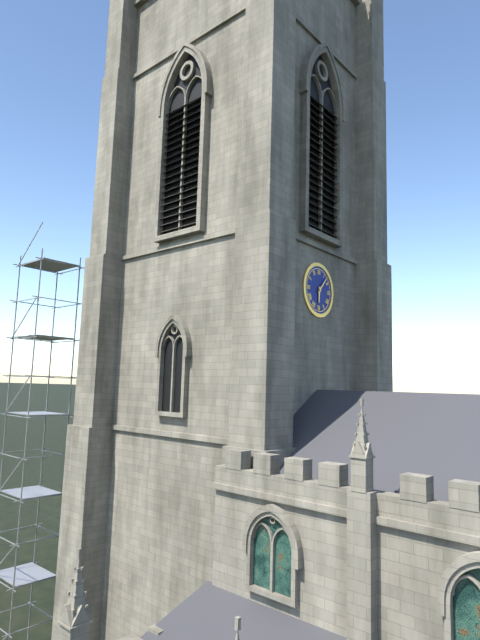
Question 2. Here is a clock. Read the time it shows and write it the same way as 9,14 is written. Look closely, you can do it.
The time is 6,07
